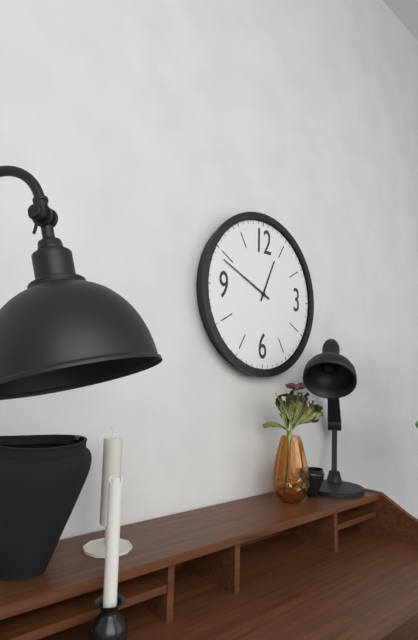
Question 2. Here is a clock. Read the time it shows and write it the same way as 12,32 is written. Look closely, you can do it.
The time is 12,49
